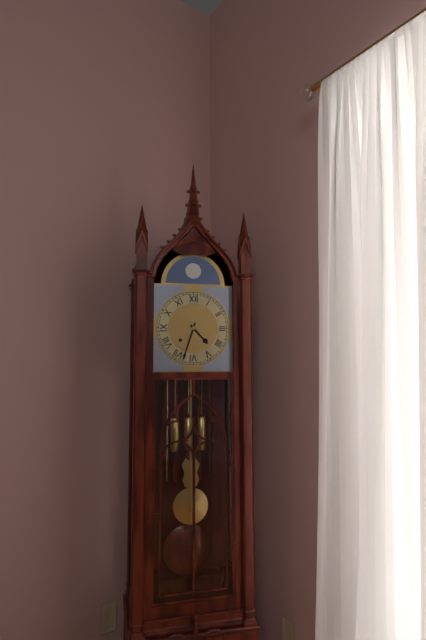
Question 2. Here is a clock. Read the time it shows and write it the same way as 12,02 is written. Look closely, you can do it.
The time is 4,33
